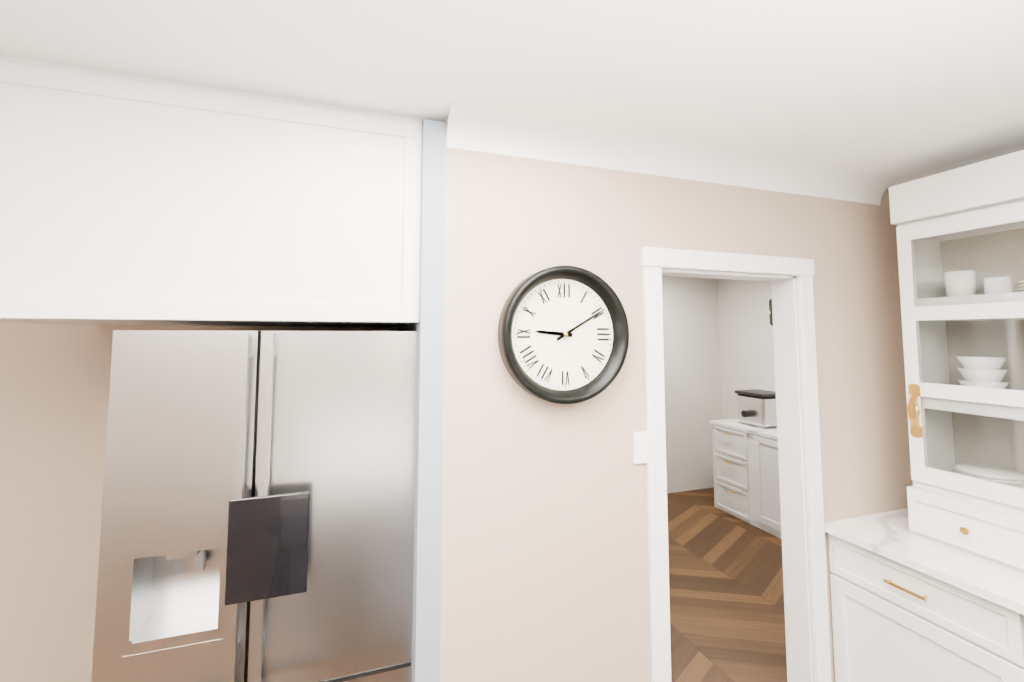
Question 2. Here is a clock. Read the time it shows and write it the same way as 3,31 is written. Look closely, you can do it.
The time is 9,10
